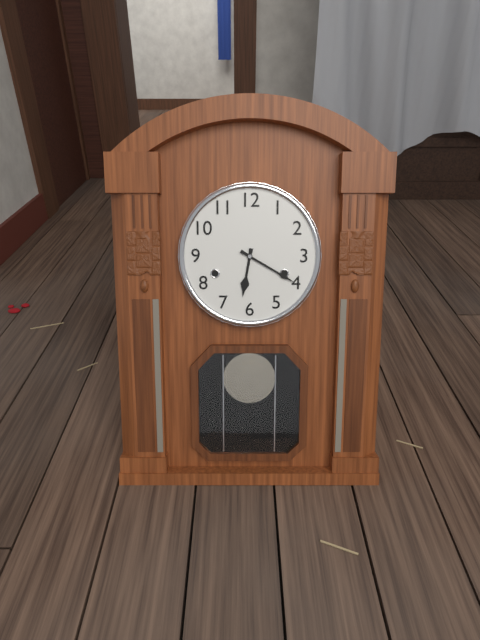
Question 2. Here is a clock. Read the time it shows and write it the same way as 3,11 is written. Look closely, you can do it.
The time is 6,20
